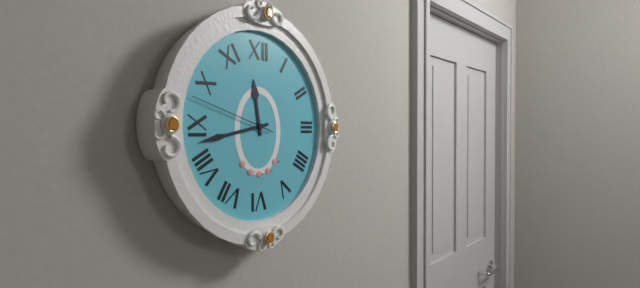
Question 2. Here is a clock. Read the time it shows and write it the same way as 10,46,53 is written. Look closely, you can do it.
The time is 11,43,48
